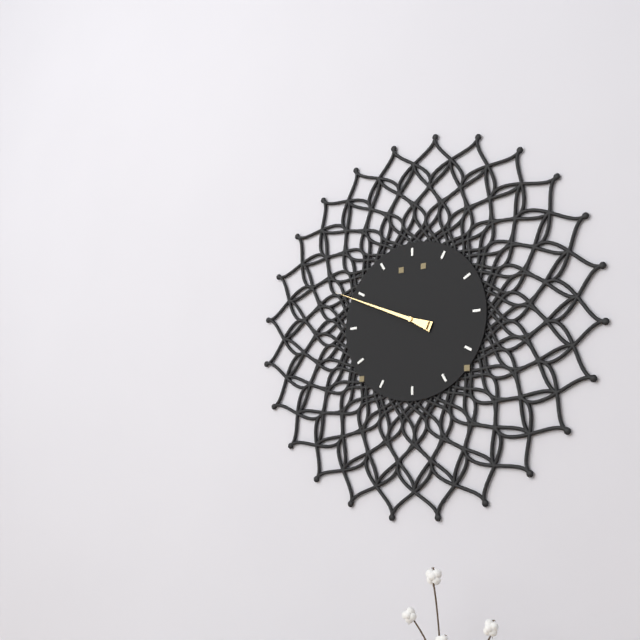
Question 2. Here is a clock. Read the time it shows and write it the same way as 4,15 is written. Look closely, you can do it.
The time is 9,49
